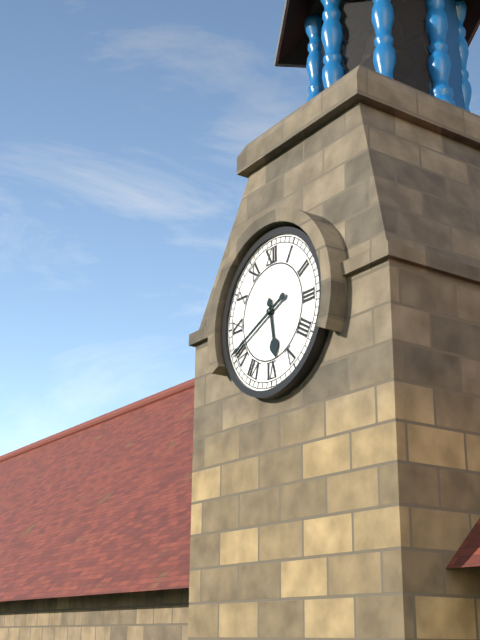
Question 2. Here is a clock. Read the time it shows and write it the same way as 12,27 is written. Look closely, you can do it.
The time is 5,41
